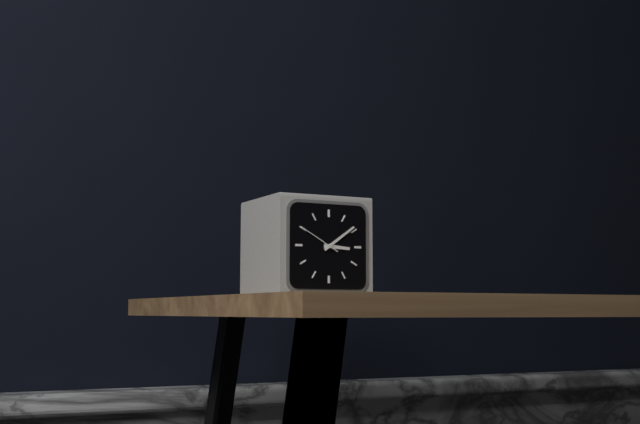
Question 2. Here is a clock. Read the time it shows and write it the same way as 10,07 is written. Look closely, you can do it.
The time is 3,09
